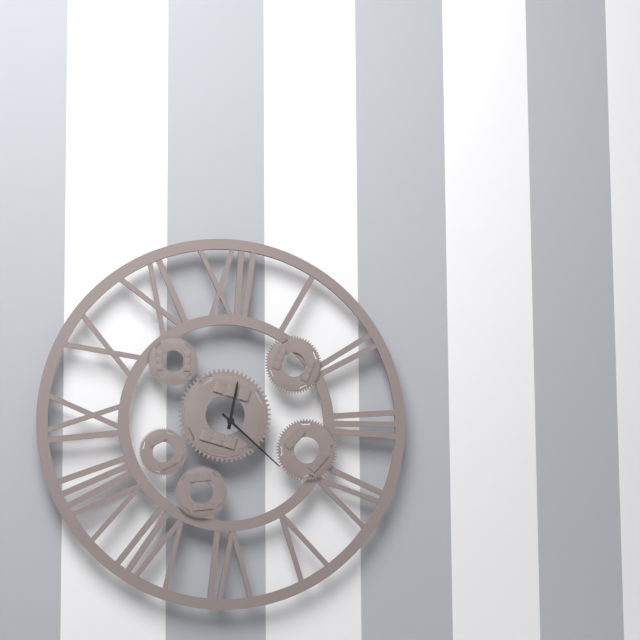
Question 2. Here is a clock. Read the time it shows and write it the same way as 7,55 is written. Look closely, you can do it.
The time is 12,22
